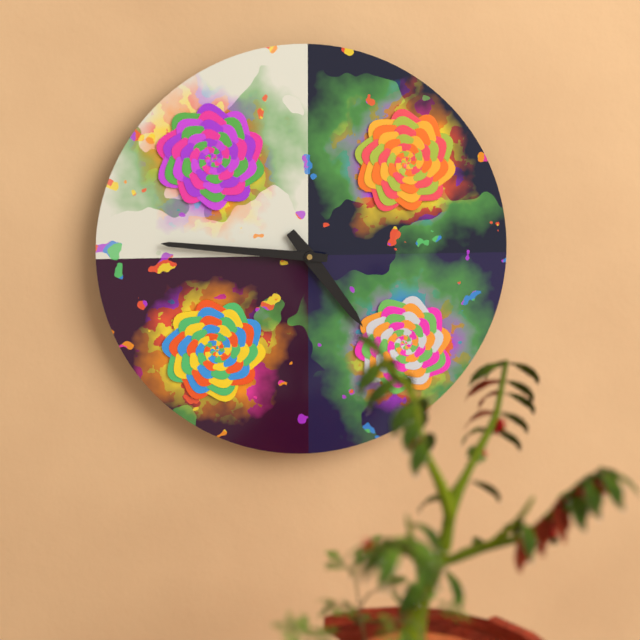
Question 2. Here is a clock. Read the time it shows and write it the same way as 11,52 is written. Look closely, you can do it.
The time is 4,46
